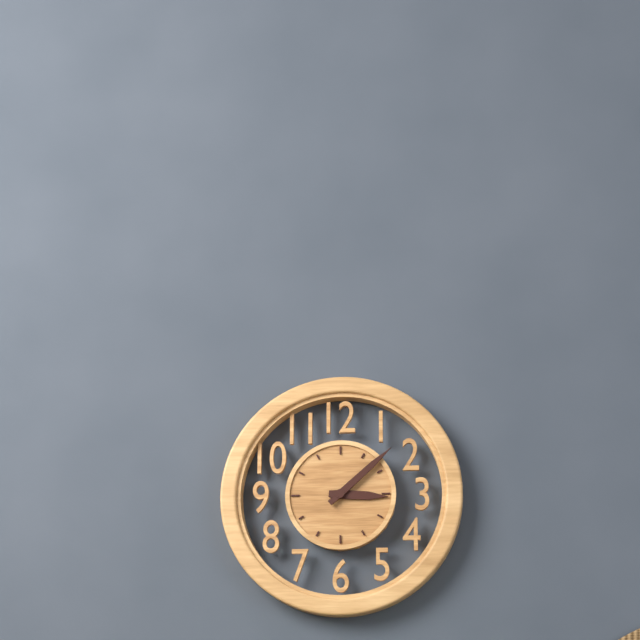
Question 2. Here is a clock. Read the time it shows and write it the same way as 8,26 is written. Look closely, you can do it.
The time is 3,08
